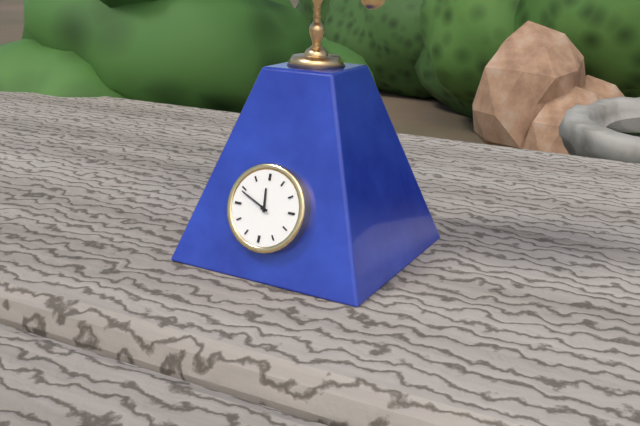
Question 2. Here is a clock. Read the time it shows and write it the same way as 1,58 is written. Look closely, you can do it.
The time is 11,49
